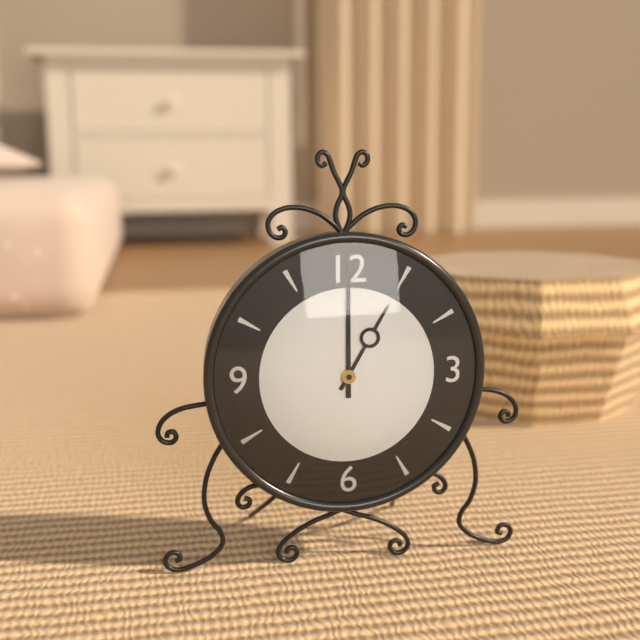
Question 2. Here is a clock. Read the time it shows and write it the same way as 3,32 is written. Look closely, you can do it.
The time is 1,00
